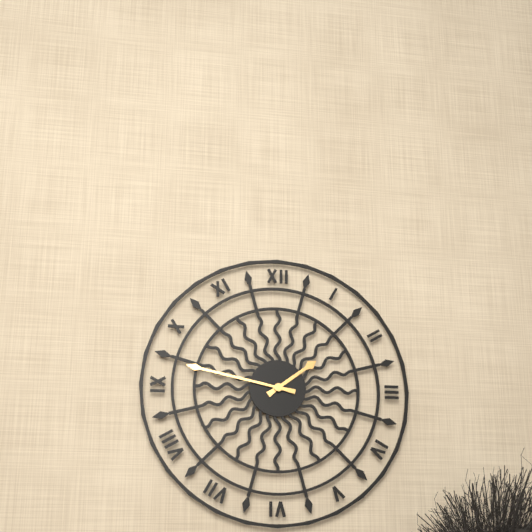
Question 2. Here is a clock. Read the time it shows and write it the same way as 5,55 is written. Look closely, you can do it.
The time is 1,47
